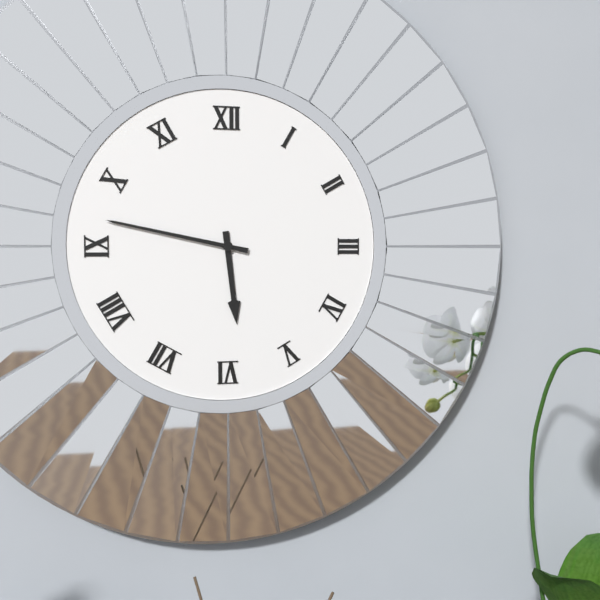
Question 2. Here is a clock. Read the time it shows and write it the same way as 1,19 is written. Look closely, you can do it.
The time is 5,47
